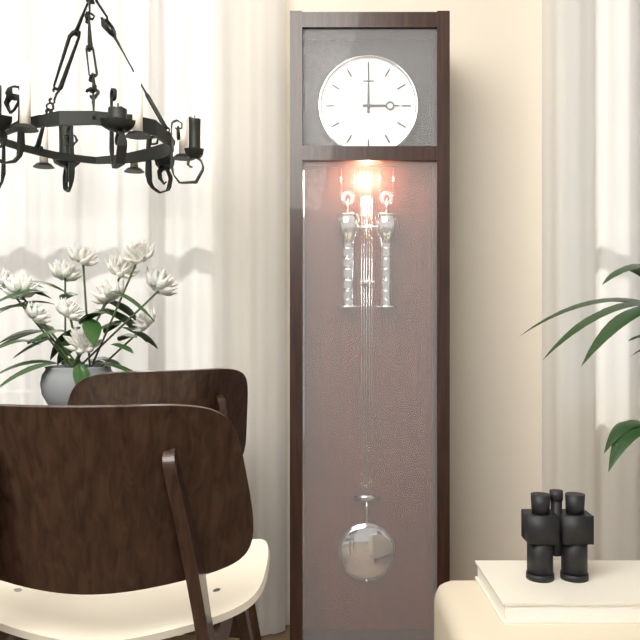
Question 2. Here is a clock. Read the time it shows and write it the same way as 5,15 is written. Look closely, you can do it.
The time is 3,00
